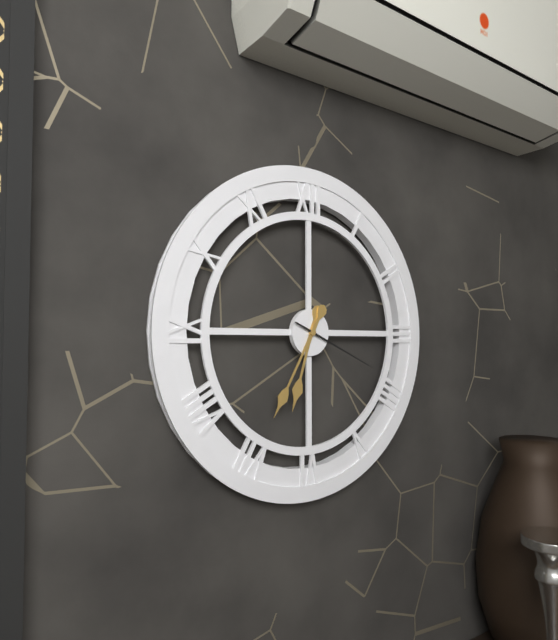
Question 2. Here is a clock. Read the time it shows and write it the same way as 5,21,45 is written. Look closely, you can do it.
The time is 6,35,19
